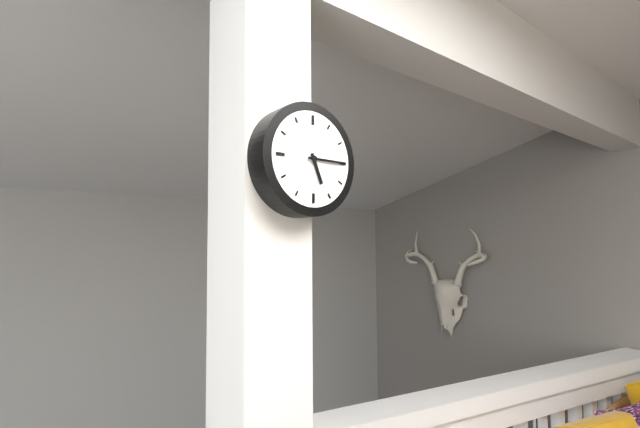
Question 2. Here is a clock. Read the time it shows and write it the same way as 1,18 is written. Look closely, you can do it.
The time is 5,15
